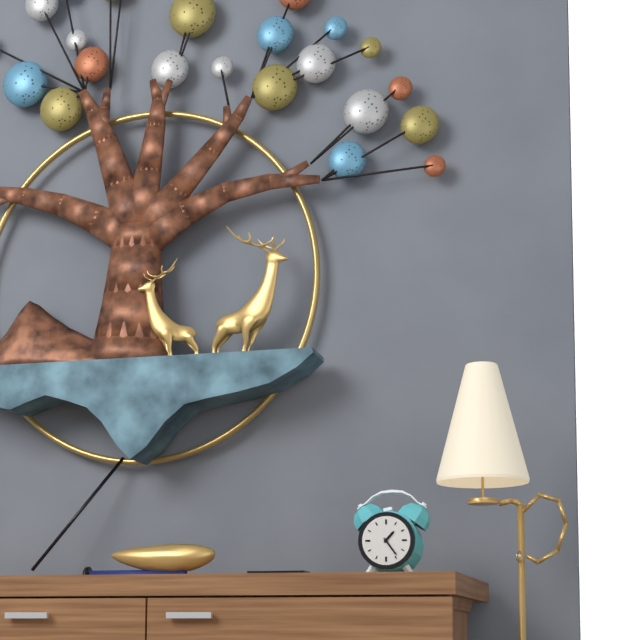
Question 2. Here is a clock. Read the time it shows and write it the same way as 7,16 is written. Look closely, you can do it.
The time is 1,24
